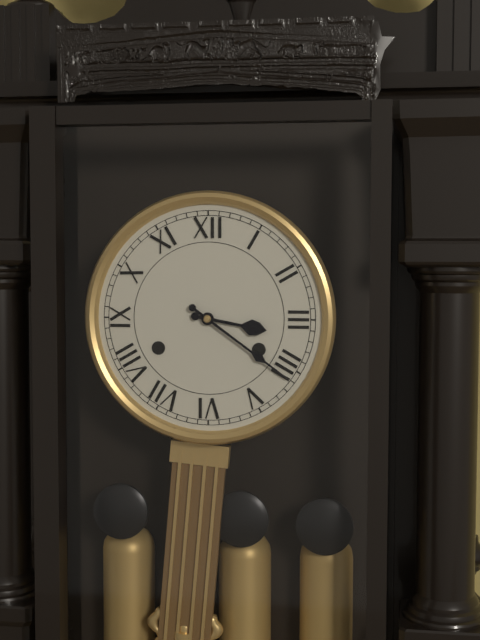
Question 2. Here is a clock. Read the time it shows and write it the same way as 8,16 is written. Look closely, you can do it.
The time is 3,21
